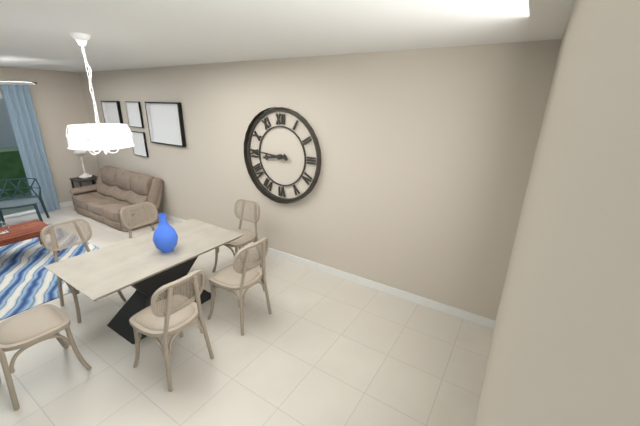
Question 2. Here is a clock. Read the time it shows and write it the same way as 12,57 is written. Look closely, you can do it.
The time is 8,46
